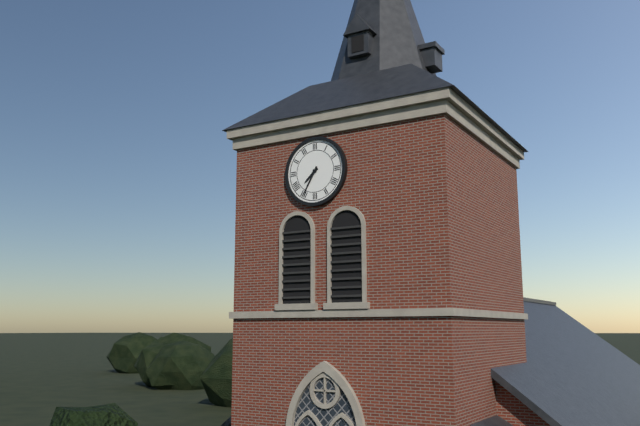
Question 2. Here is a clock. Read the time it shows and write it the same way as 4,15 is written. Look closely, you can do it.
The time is 7,35
